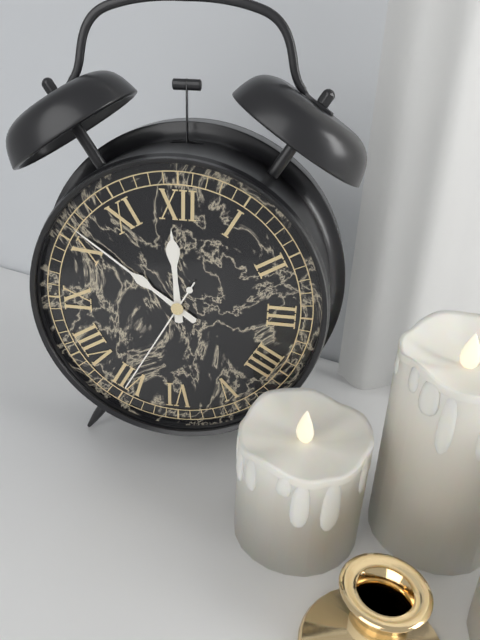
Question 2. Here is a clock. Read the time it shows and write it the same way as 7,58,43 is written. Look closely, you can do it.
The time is 11,51,35
